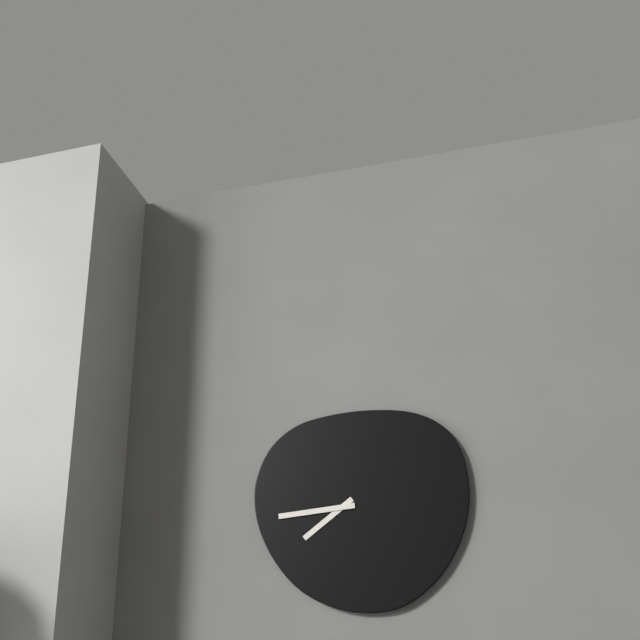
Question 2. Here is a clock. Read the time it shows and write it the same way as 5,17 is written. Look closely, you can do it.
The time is 7,44
